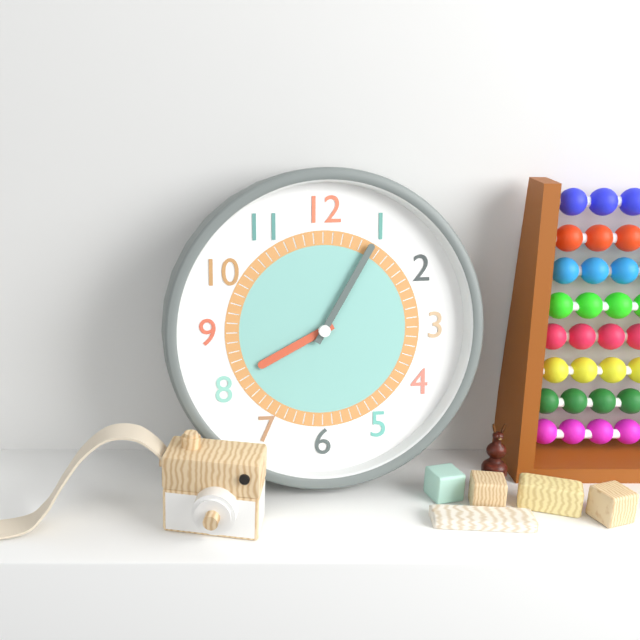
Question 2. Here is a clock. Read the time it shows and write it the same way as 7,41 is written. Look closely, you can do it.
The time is 8,05
